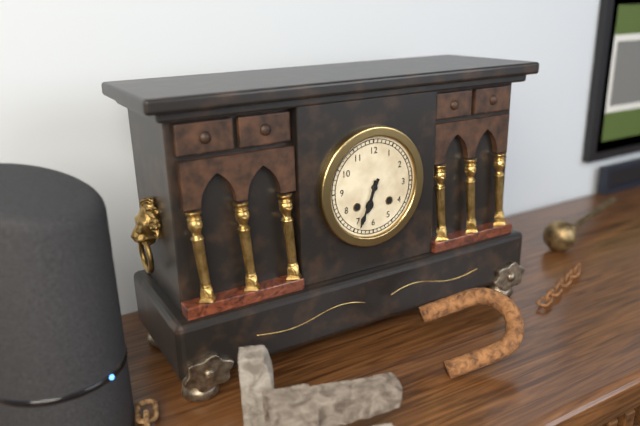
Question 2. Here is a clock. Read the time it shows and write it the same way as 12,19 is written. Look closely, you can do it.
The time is 6,34
